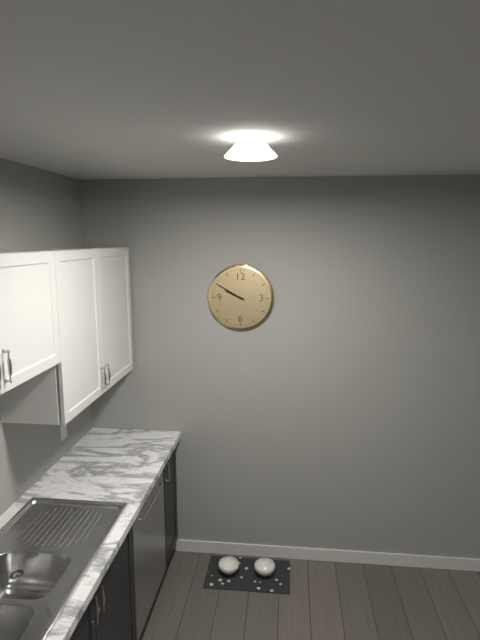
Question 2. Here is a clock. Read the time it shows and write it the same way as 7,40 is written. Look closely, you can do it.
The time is 9,50
